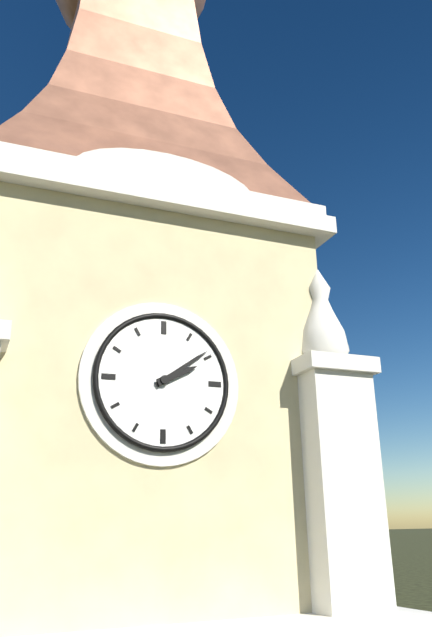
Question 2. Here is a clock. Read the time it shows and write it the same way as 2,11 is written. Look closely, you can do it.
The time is 2,09
